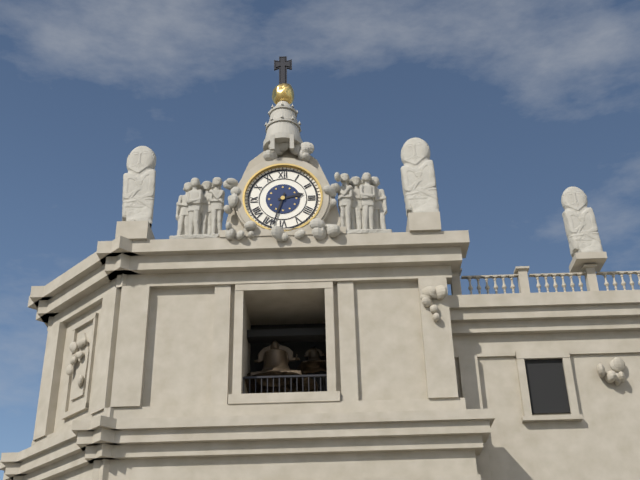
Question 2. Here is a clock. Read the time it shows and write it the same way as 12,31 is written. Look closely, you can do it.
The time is 2,33
